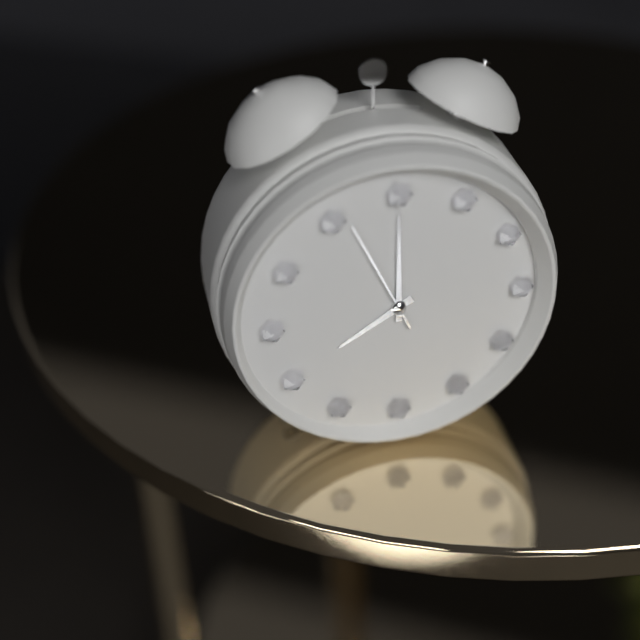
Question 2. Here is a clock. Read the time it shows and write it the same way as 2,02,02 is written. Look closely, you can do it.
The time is 8,00,56
